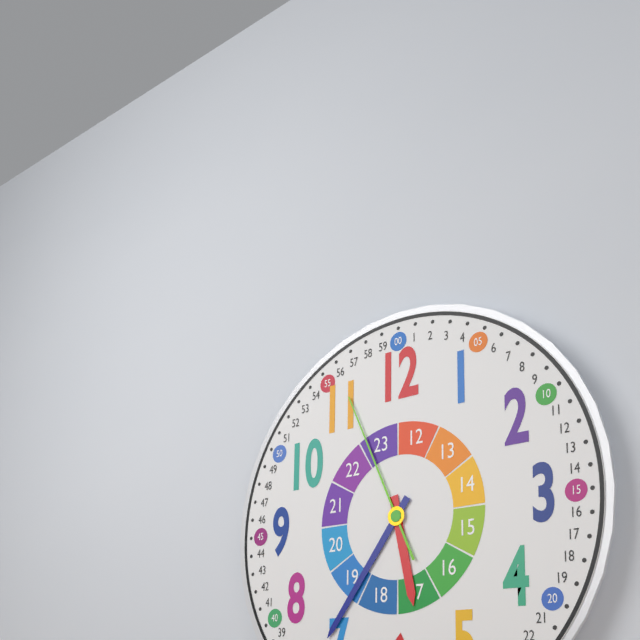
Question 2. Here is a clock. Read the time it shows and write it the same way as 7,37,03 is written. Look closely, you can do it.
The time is 5,36,56
